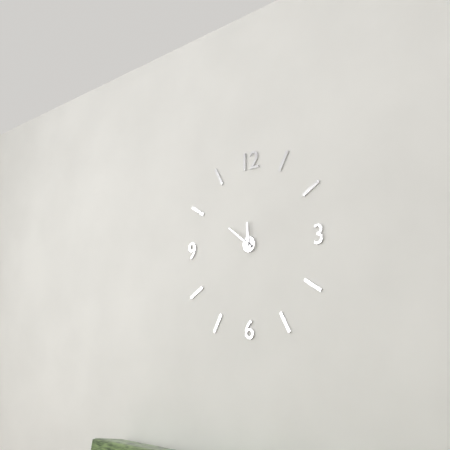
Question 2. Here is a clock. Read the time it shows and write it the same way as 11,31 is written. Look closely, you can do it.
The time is 11,51
